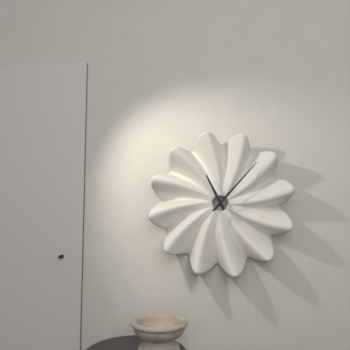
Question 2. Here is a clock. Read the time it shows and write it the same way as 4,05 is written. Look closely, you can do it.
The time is 11,07
